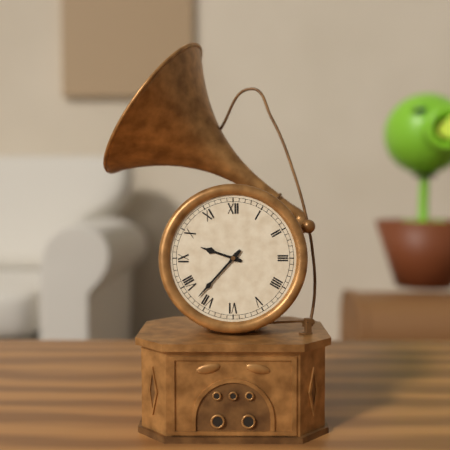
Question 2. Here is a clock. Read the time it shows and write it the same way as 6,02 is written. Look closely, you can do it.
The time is 9,37
